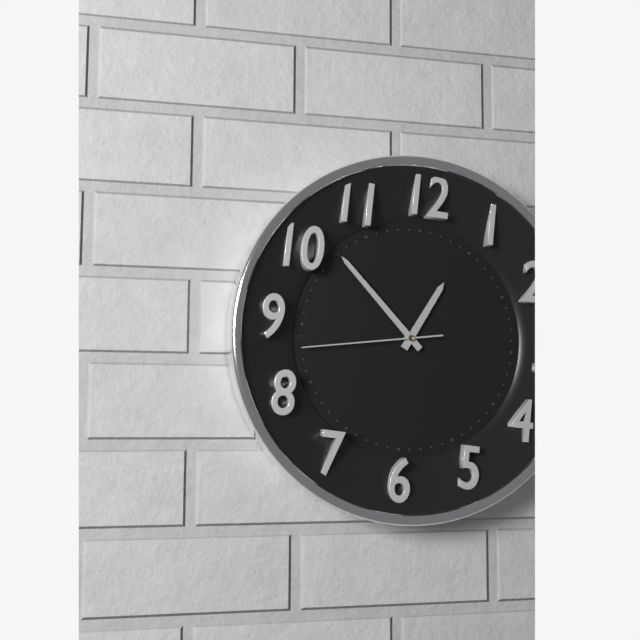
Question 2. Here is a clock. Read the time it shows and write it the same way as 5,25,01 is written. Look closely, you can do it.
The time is 12,52,43
